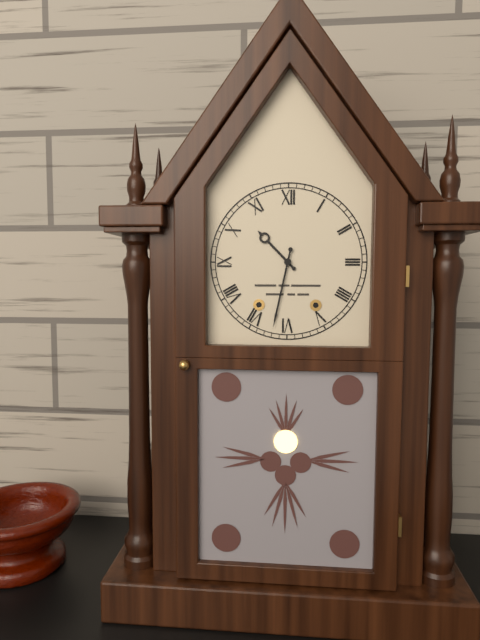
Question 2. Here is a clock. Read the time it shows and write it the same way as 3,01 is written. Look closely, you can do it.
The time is 10,32
